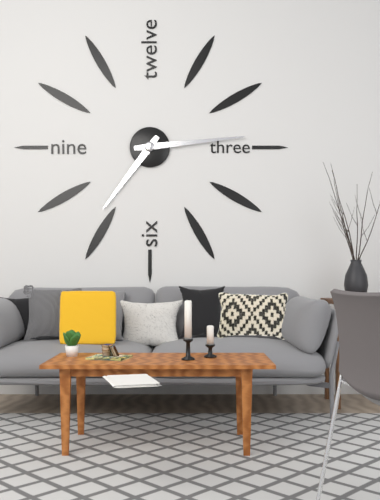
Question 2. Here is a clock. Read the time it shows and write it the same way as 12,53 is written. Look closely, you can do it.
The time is 7,14
